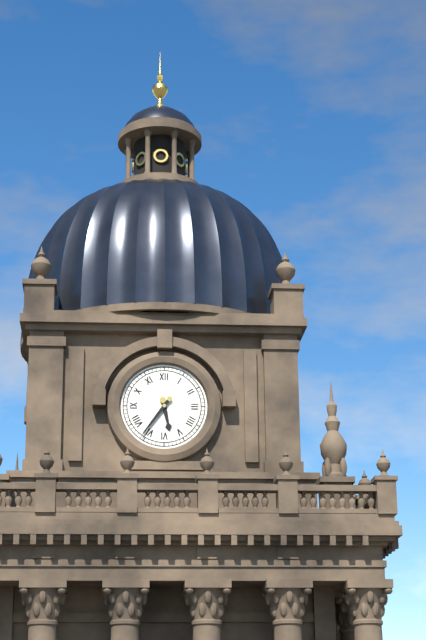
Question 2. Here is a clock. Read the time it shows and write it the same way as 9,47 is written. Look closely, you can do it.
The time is 5,36
